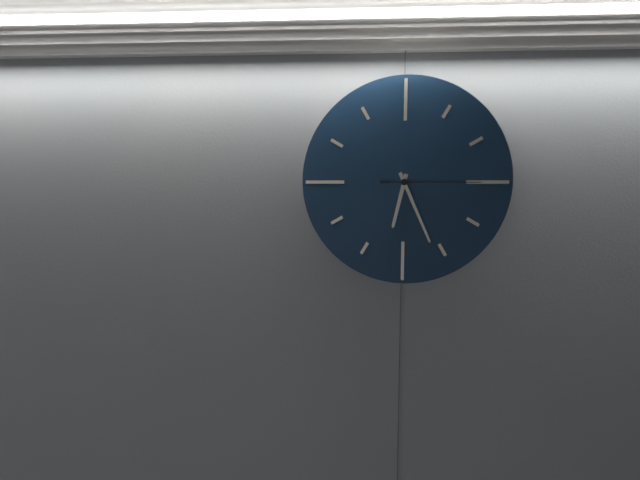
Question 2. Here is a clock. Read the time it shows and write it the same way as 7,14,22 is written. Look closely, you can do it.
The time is 6,26,15
